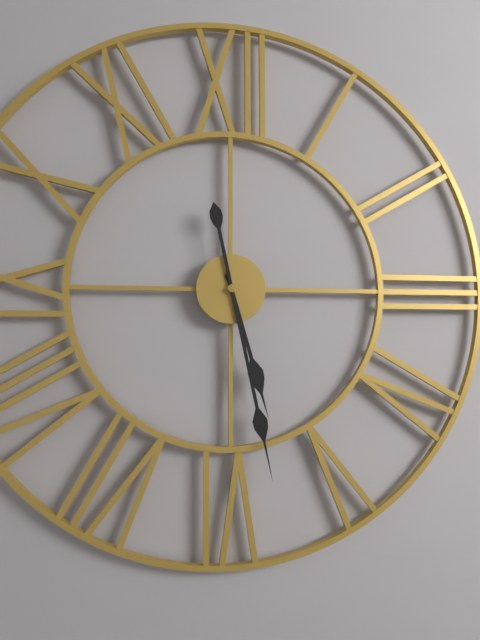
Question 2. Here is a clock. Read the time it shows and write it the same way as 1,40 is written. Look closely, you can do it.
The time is 5,28
